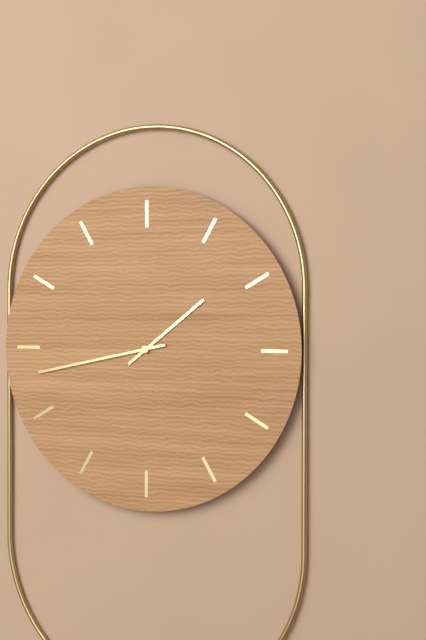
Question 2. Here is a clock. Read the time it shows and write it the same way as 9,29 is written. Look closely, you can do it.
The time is 1,43
